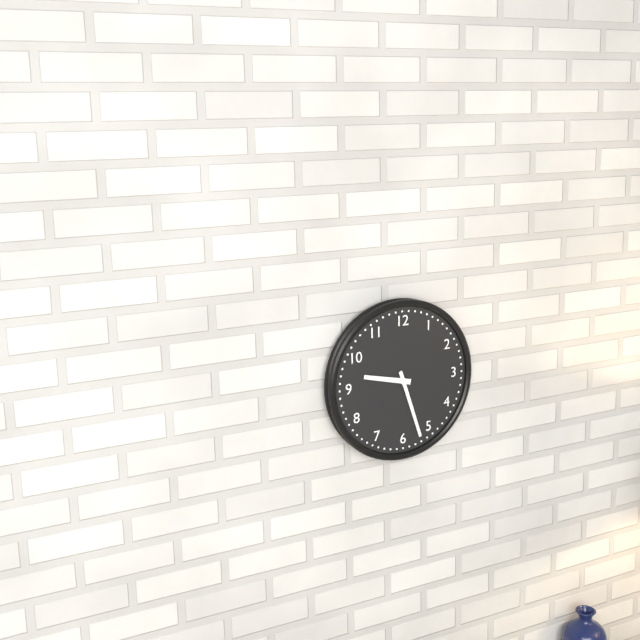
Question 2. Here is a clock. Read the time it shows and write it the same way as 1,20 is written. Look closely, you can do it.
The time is 9,27
